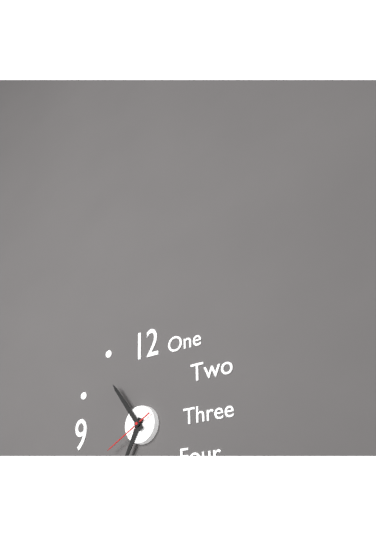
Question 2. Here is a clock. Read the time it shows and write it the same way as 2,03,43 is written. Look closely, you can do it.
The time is 6,54,40
